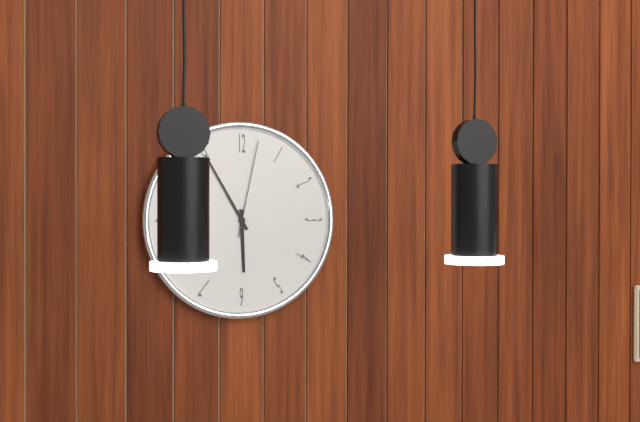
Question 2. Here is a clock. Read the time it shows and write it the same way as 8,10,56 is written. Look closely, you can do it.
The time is 5,55,02
